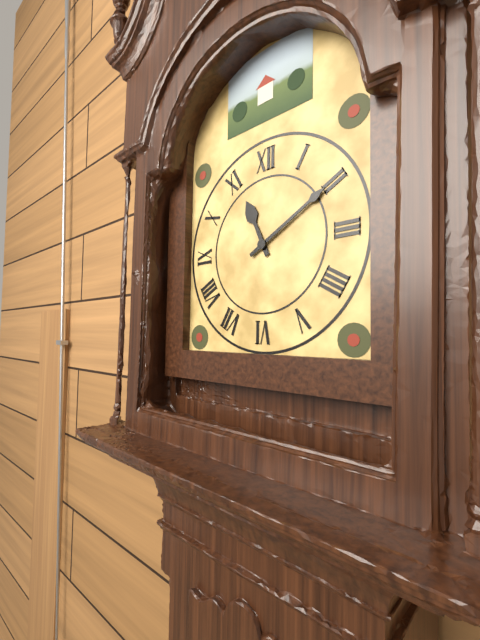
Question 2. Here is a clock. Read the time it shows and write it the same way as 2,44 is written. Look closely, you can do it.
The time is 11,10
